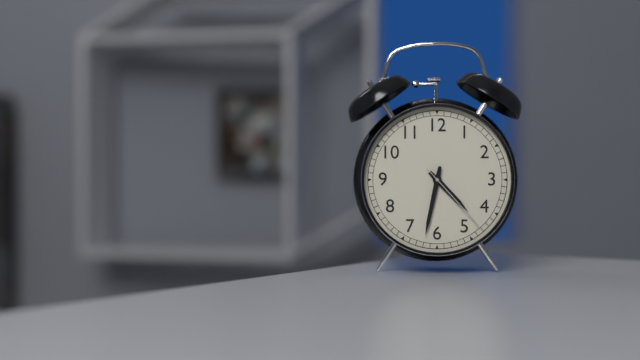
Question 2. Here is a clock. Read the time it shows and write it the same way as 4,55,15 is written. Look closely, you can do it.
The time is 4,32,23
